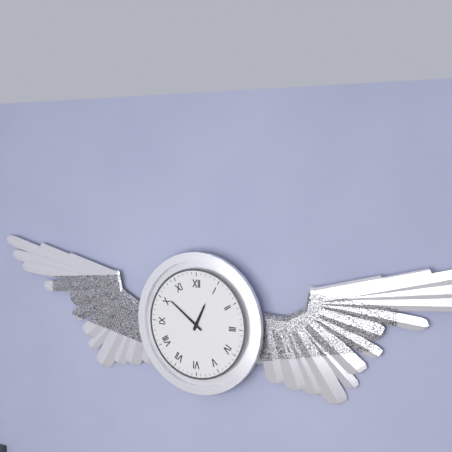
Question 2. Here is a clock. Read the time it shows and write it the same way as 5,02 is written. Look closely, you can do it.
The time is 12,51
